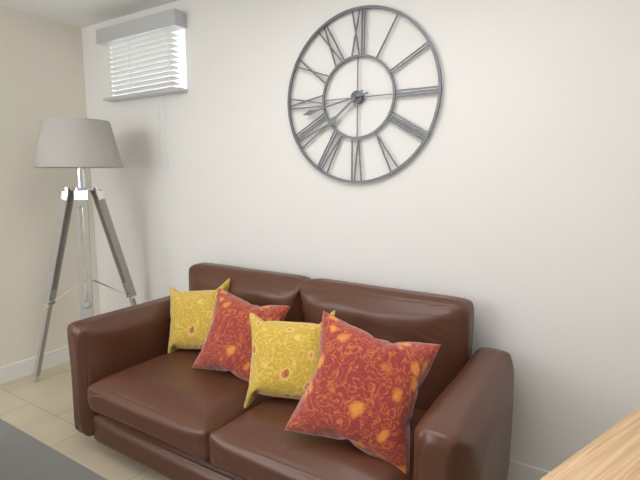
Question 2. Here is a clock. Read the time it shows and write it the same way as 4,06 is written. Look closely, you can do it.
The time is 7,43
